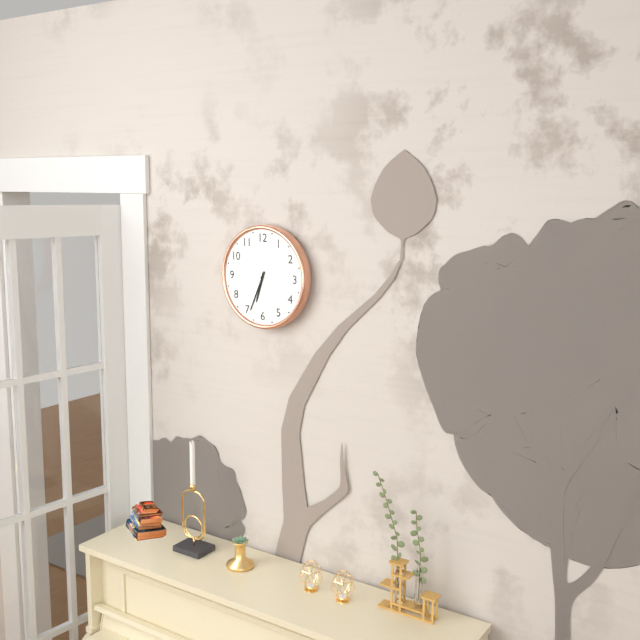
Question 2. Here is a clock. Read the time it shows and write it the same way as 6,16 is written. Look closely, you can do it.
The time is 6,34
